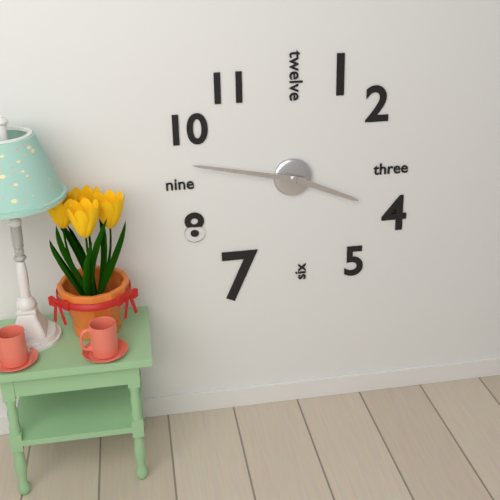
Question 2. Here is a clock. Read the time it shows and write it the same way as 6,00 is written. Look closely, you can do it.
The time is 3,47
